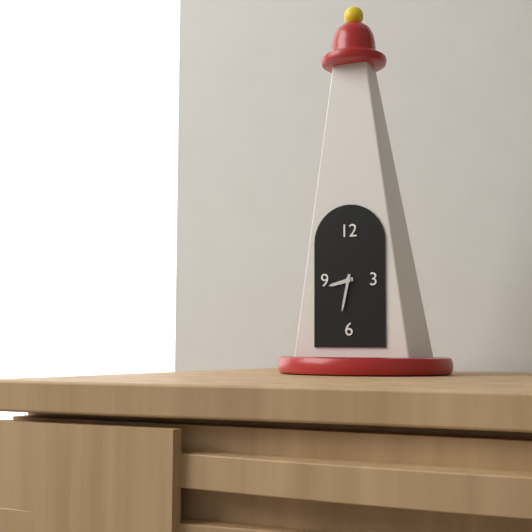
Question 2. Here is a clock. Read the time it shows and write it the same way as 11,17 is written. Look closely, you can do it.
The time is 8,32
